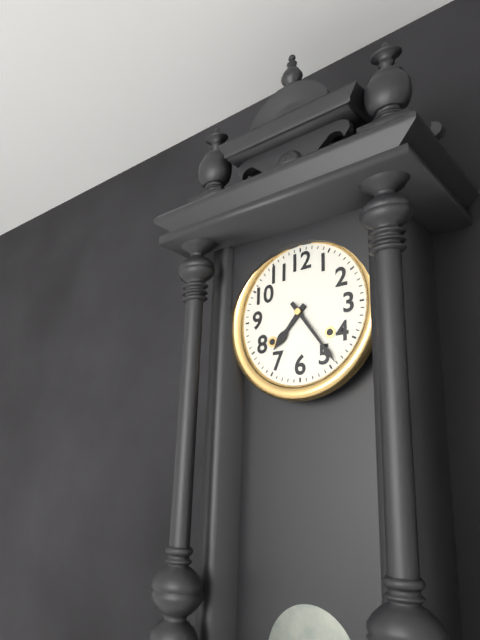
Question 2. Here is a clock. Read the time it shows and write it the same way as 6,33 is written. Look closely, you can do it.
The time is 7,24
